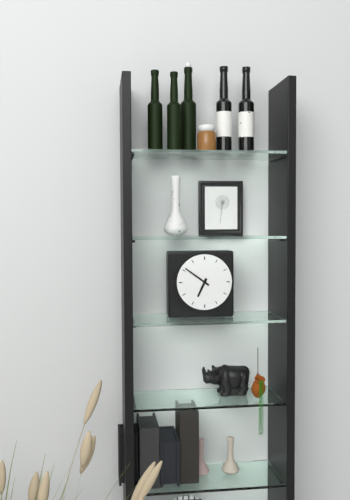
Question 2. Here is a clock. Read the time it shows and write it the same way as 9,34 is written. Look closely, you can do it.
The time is 6,51
